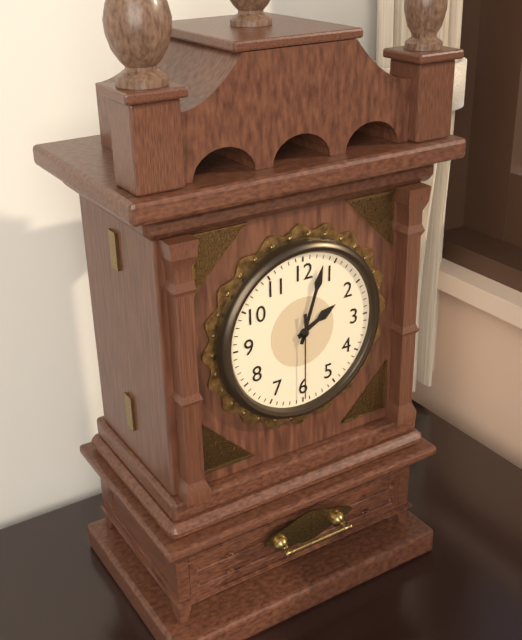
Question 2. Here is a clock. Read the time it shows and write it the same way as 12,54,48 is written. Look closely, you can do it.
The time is 2,03,30
